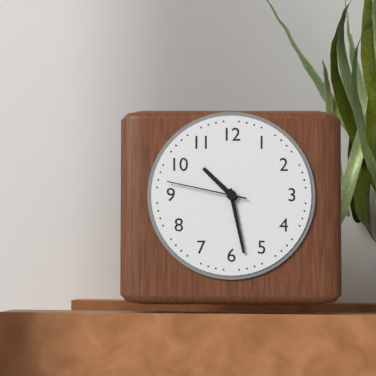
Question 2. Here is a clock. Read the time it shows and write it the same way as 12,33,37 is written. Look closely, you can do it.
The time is 10,28,47
